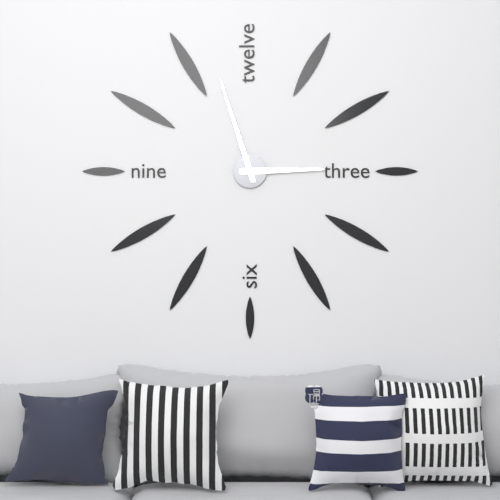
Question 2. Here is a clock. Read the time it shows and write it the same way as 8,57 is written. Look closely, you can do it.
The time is 2,57
